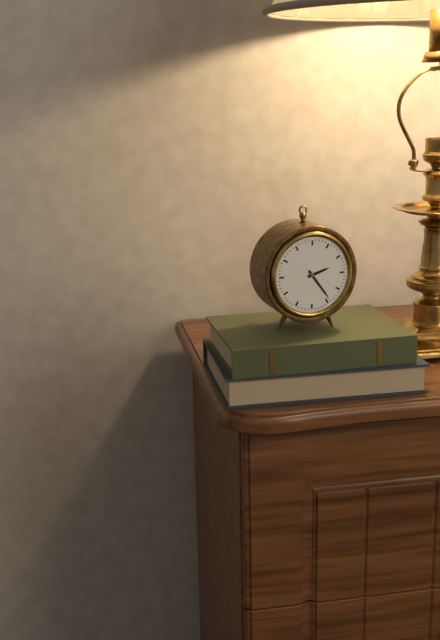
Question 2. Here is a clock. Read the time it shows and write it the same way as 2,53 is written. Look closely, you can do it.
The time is 2,24
